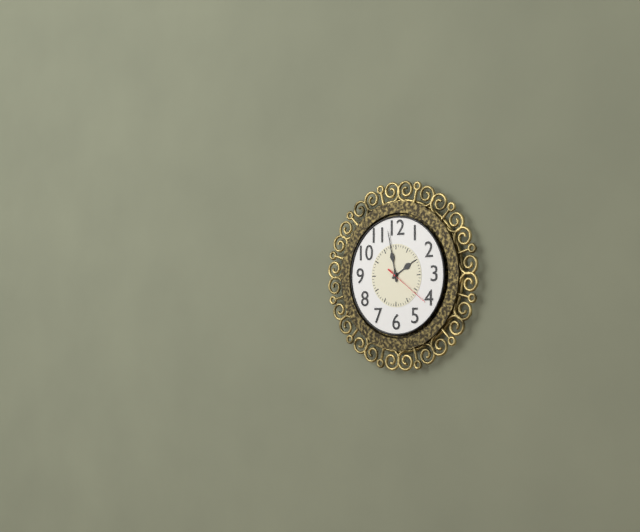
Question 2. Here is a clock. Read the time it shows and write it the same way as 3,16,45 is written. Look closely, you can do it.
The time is 1,58,21
